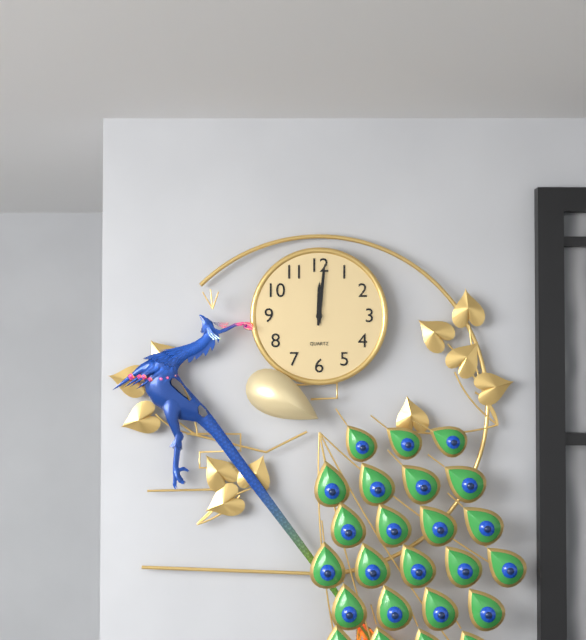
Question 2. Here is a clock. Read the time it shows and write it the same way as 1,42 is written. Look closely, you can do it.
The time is 12,01
